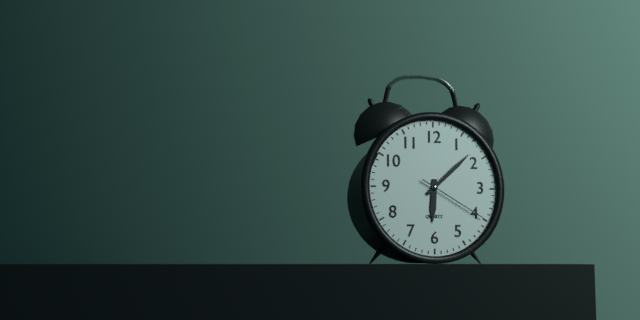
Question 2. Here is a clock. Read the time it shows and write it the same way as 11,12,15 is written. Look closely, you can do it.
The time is 6,08,20
